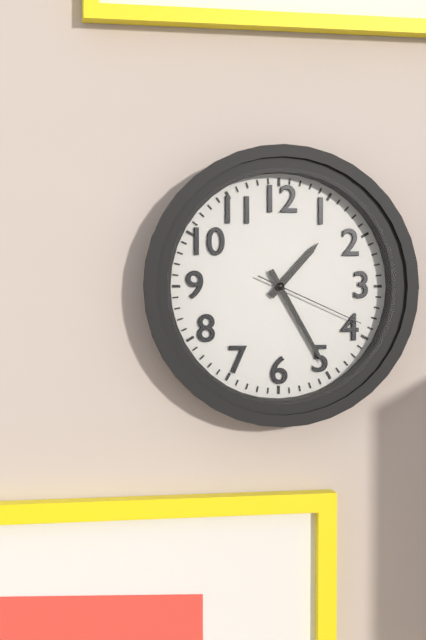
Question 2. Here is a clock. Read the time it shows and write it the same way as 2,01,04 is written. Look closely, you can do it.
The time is 1,25,19
